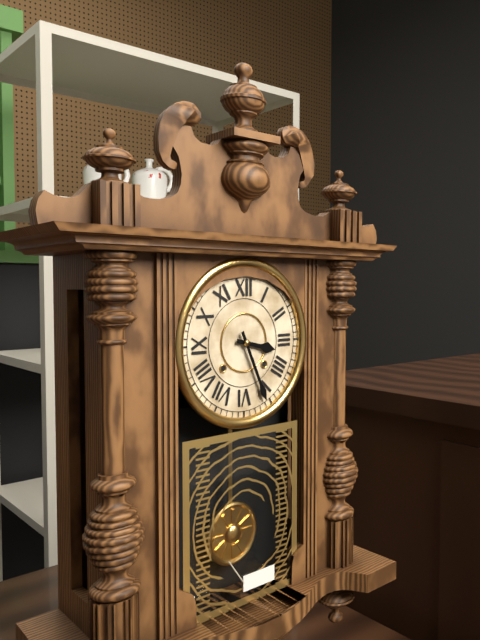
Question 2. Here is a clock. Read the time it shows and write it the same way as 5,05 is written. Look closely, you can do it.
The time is 3,26
